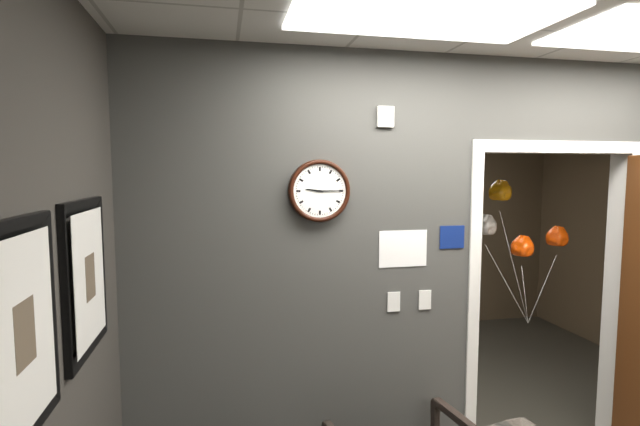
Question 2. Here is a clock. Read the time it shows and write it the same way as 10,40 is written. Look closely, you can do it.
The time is 9,15
